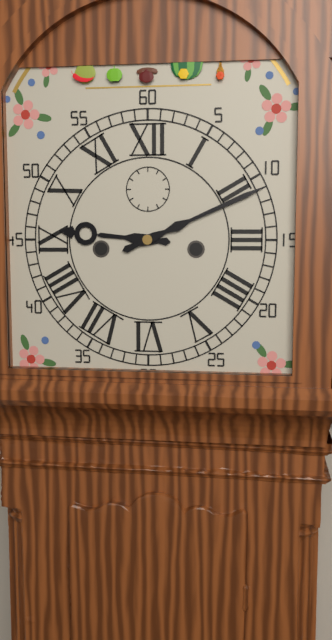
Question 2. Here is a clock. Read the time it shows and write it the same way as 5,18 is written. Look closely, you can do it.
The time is 9,11
